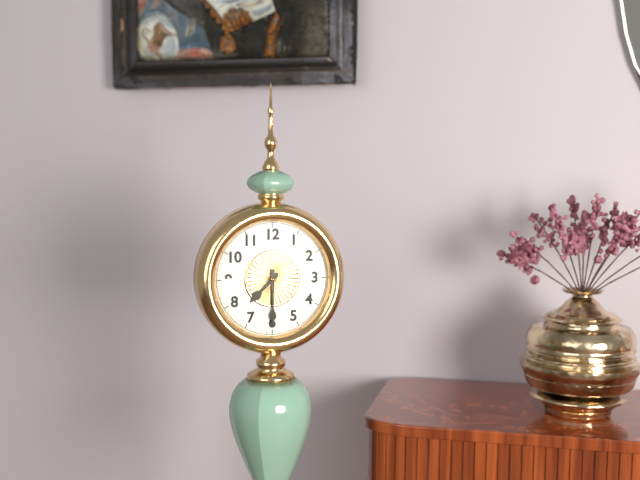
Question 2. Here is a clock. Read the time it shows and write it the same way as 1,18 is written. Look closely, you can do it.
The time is 7,30
